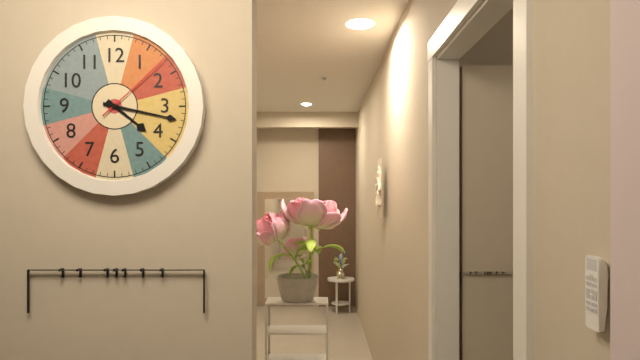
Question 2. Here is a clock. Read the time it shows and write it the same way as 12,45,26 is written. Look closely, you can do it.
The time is 4,17,08
